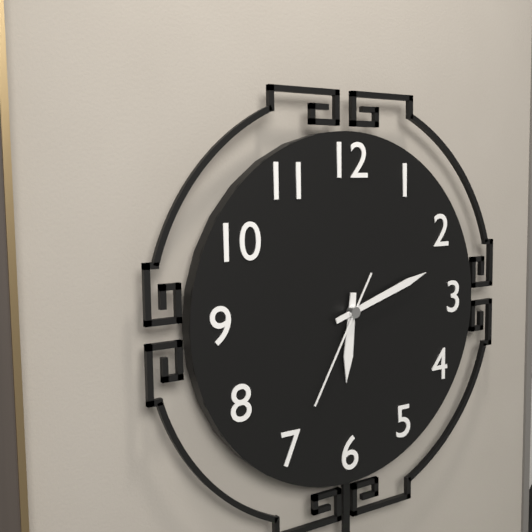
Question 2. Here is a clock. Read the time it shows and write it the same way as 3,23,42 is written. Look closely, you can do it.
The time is 6,12,35
